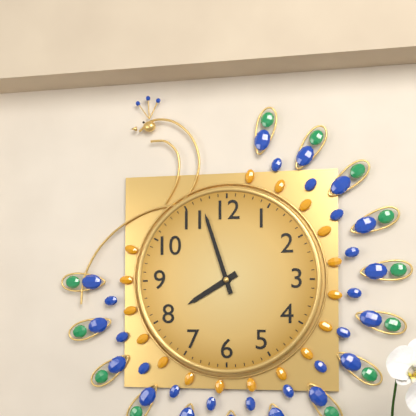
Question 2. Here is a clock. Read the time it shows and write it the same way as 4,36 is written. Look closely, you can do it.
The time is 7,57
